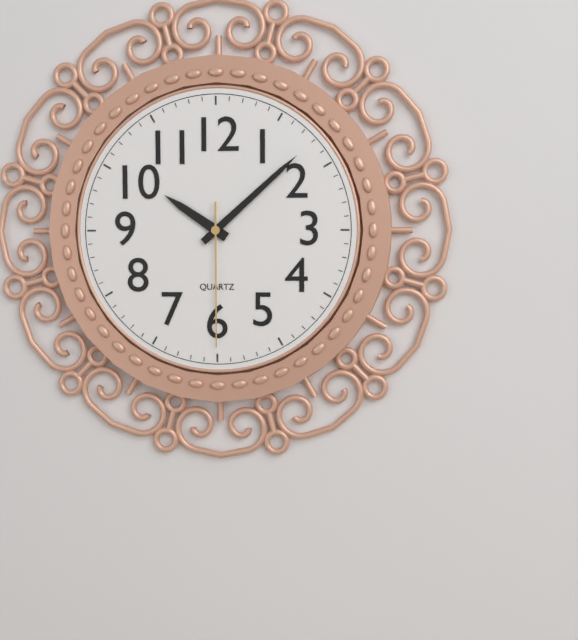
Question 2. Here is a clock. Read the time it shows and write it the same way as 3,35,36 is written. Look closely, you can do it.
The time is 10,08,30
